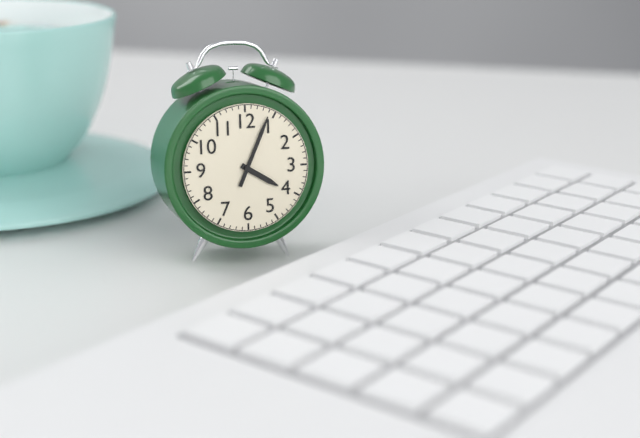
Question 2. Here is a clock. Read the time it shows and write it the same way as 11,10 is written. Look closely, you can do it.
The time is 4,04
